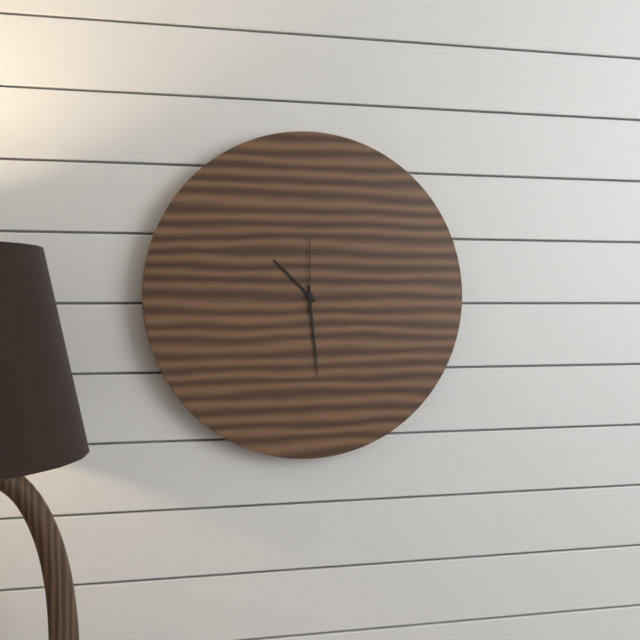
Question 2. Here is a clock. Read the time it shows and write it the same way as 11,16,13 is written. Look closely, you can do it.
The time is 10,29,00
